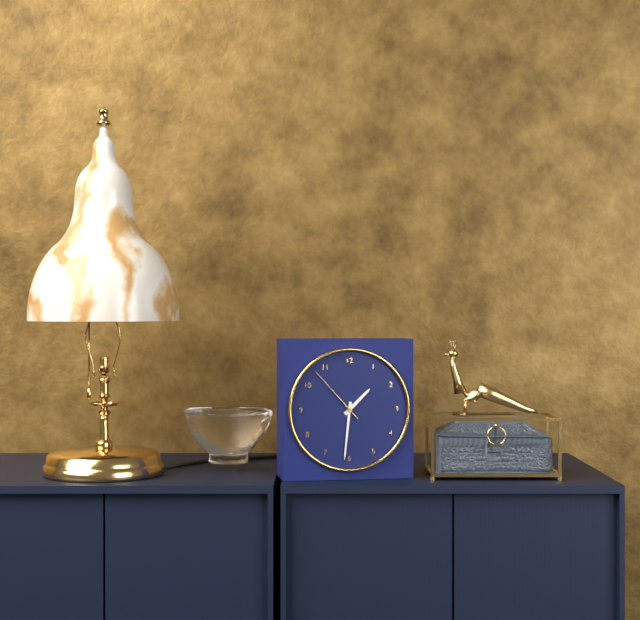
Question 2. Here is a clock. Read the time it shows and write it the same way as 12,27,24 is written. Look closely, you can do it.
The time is 1,31,53
